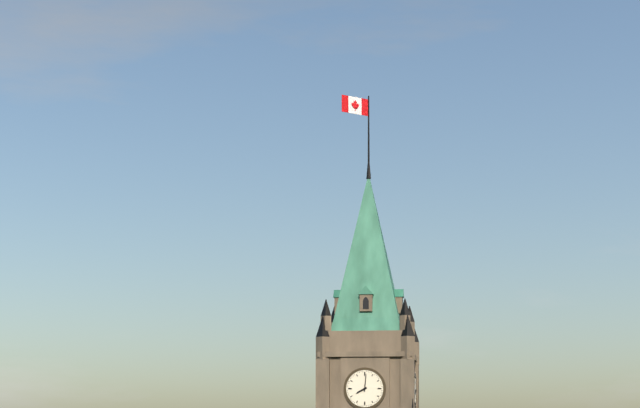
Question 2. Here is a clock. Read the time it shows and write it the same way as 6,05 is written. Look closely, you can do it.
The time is 8,01
